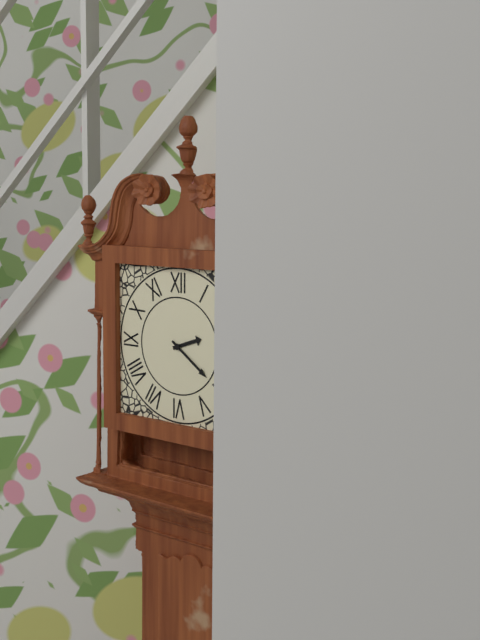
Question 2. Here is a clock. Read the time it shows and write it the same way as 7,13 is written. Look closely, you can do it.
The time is 2,21
